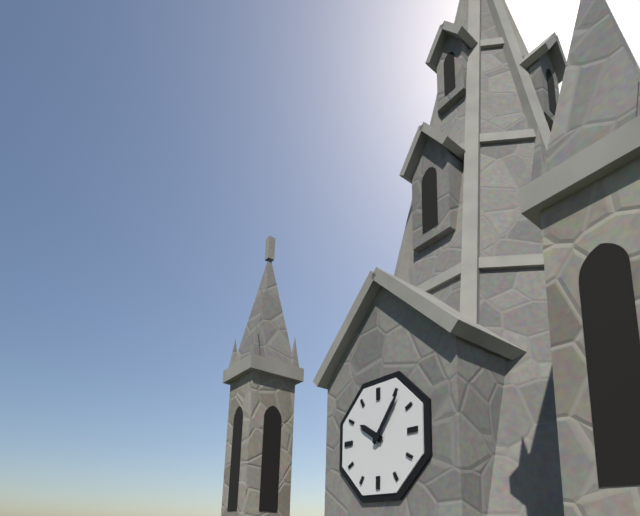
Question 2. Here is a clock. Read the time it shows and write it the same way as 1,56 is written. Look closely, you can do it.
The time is 10,06
